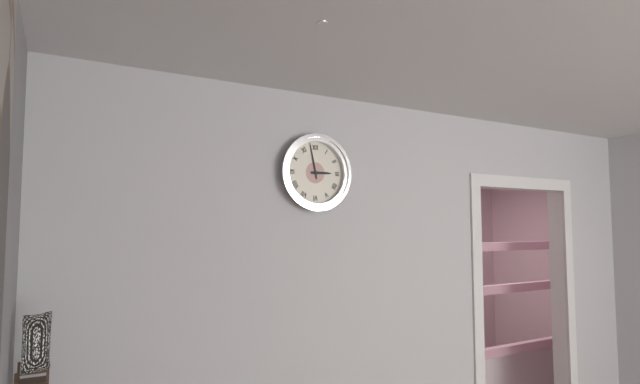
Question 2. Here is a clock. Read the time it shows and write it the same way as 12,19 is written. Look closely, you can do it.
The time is 2,58
